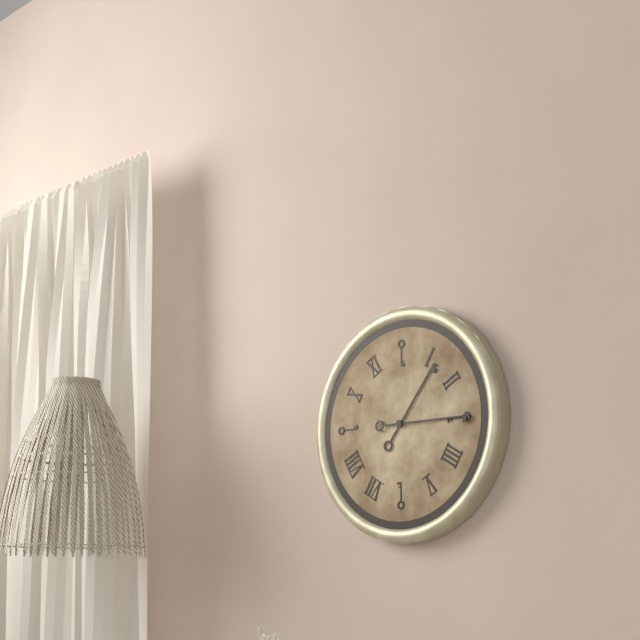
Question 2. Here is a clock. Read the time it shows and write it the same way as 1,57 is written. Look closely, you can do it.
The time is 1,15
